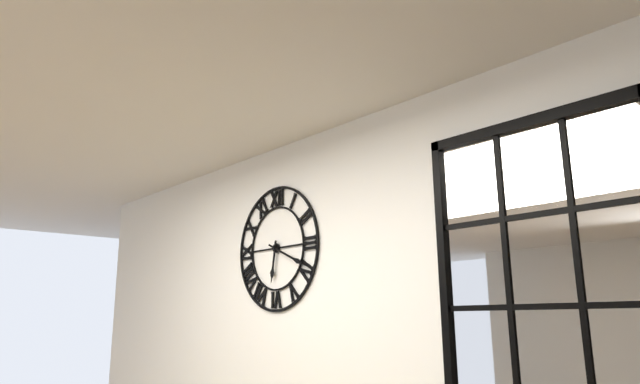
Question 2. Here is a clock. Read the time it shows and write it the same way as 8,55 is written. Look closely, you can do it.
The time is 6,19
